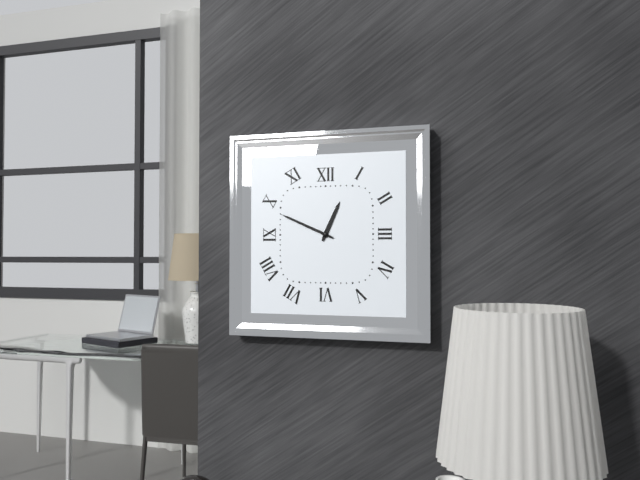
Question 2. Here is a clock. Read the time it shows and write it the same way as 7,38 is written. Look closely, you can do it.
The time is 12,49
